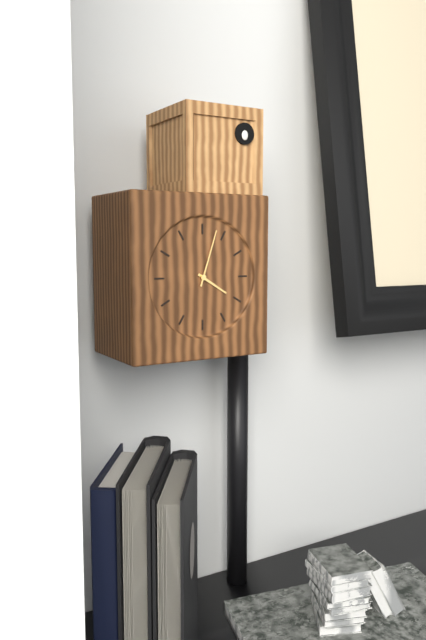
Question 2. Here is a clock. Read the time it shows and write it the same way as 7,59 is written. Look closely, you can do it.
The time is 4,03
